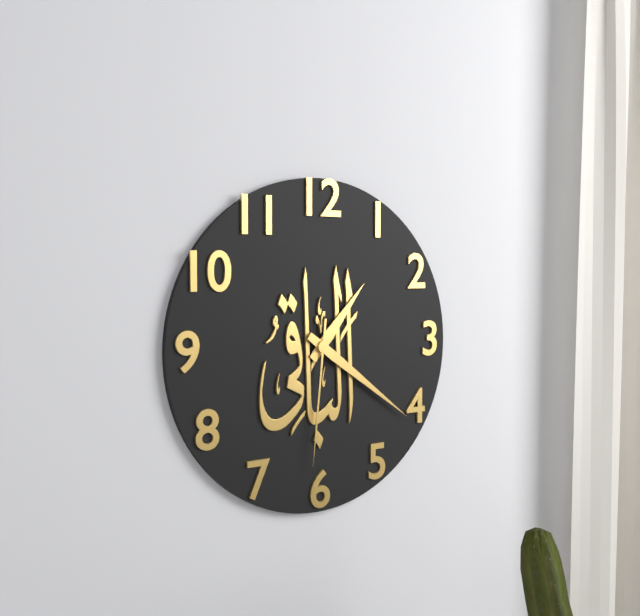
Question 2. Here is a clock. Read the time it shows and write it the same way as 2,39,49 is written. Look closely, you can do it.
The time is 1,21,31
